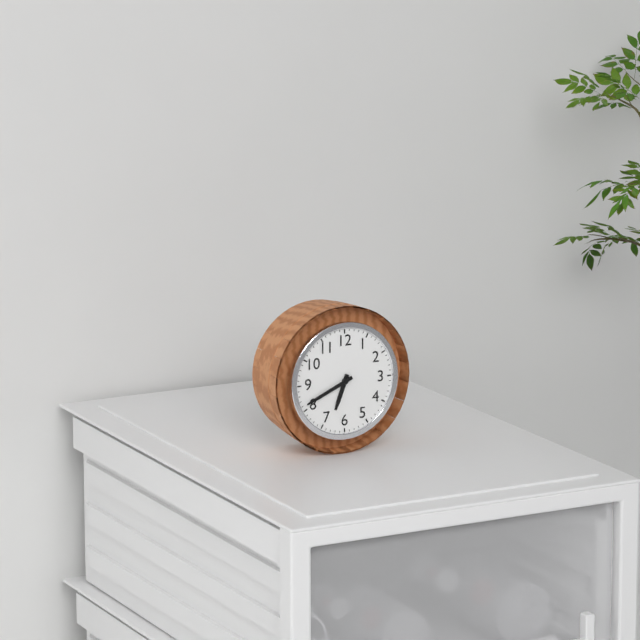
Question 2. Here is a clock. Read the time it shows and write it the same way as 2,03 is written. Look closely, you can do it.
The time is 6,41
